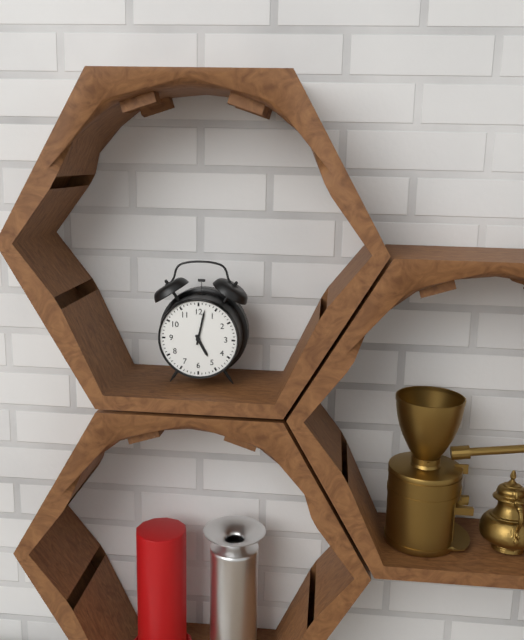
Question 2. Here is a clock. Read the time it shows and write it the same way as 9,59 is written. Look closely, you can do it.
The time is 5,02
